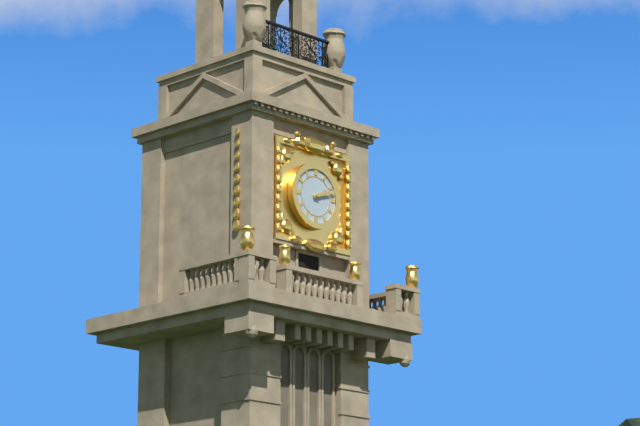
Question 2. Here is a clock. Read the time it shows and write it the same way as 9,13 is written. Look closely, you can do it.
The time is 2,12
